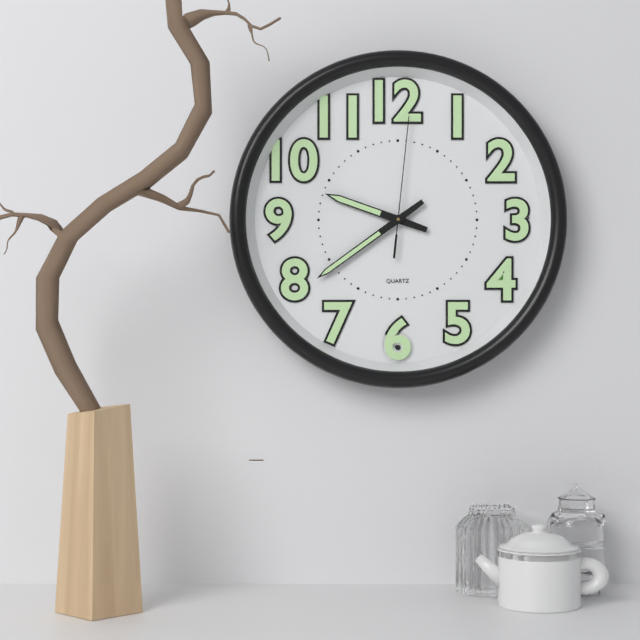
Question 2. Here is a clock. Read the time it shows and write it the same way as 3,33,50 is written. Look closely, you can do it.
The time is 9,39,01
